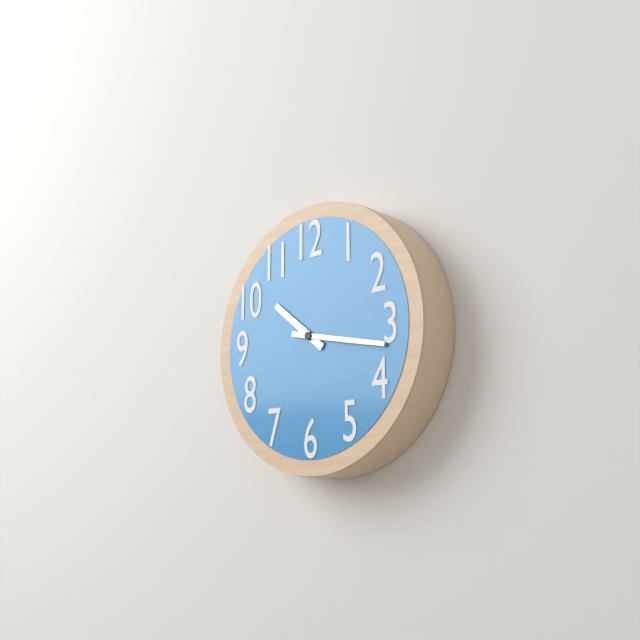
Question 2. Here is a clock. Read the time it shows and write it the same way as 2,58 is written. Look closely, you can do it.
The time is 10,17
